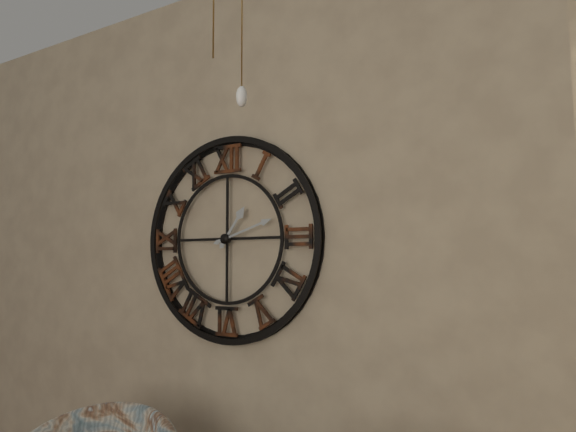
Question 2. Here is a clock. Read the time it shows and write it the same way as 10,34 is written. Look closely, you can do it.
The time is 1,12
